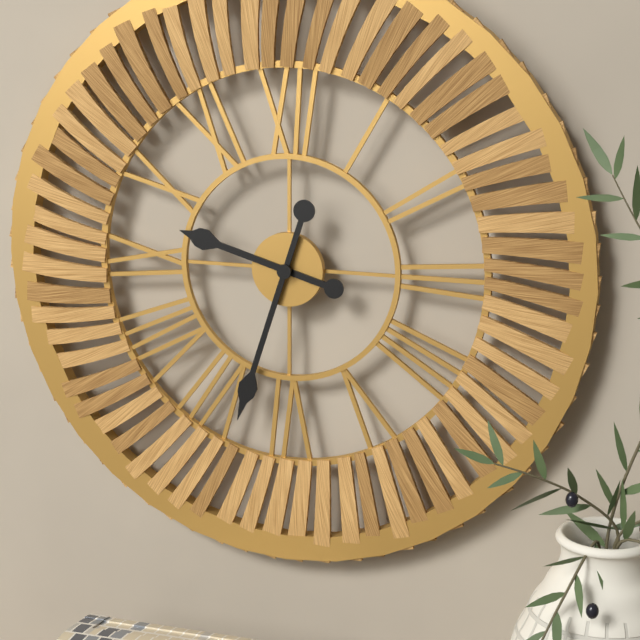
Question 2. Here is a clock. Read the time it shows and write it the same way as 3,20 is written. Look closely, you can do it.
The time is 9,33
